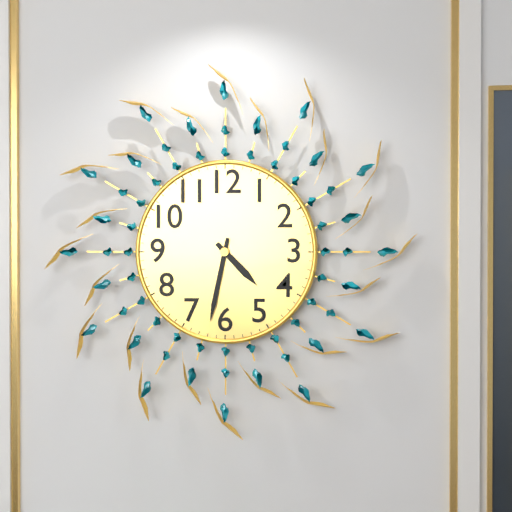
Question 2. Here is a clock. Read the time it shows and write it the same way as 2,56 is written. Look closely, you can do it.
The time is 4,32
